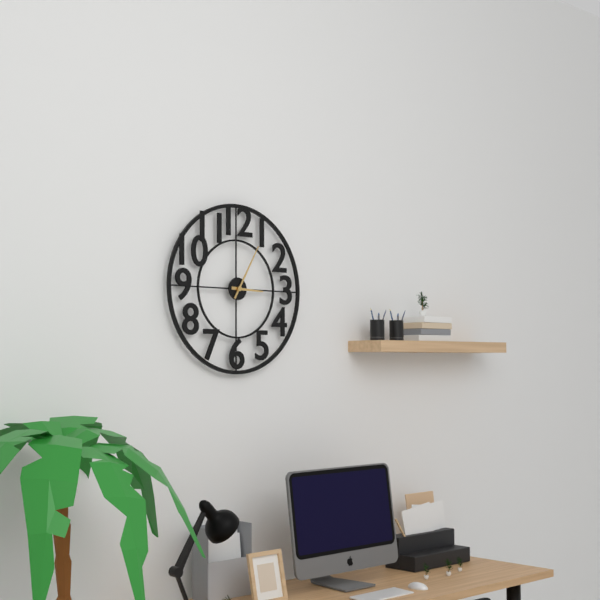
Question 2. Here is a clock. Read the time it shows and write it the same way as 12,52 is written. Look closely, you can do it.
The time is 3,05
